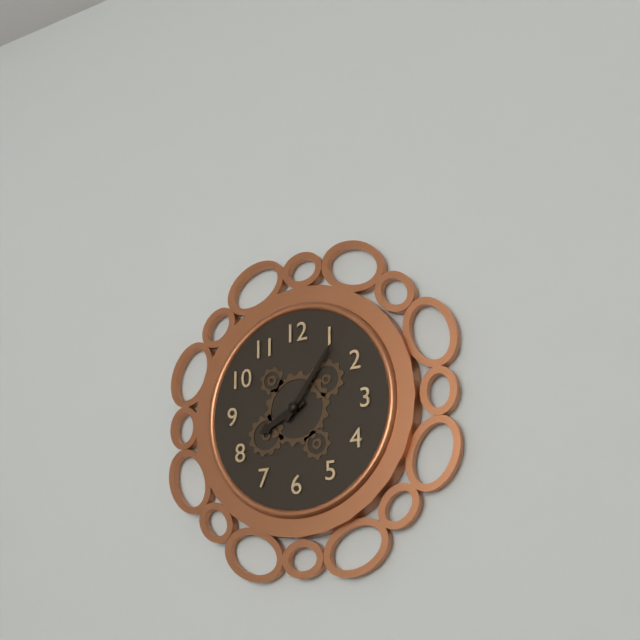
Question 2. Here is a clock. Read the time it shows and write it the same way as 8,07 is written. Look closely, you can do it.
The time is 8,06
